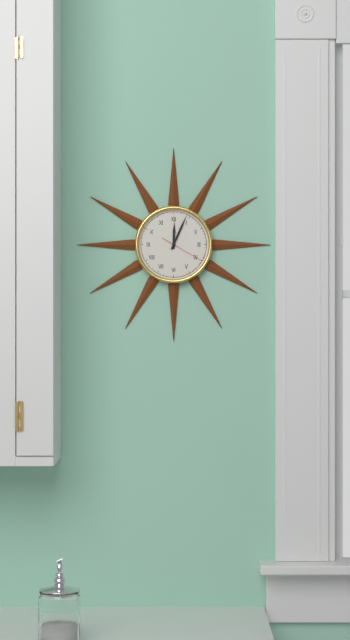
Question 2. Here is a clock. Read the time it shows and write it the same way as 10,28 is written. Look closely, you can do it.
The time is 12,04
